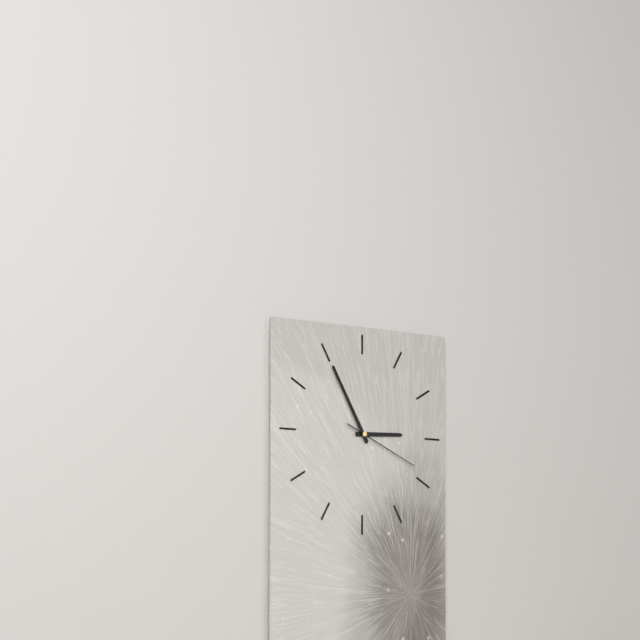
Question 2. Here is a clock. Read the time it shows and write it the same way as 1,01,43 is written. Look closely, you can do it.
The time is 2,55,19
